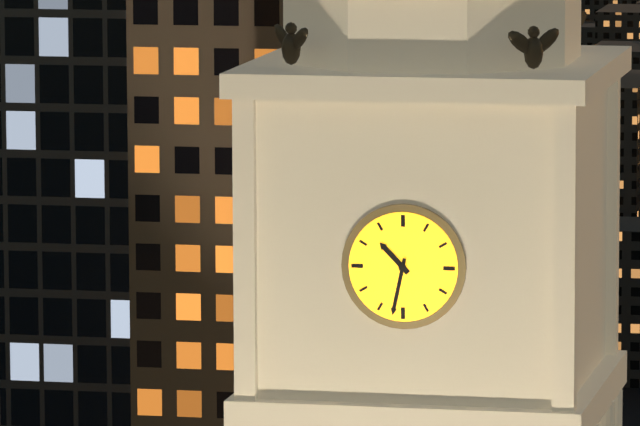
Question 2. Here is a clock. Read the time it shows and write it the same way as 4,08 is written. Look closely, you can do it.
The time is 10,32
